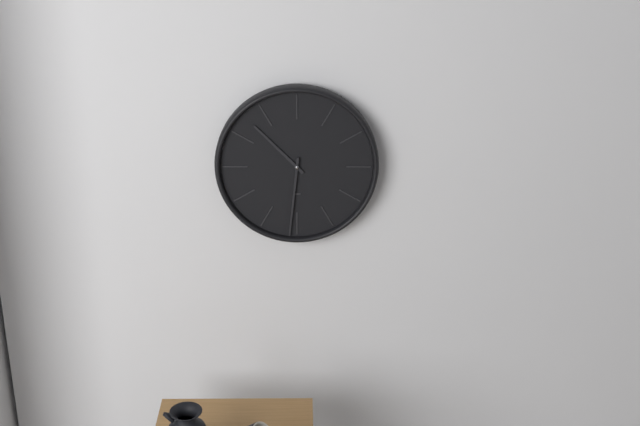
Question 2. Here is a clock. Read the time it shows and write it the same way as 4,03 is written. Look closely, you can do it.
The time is 10,31
